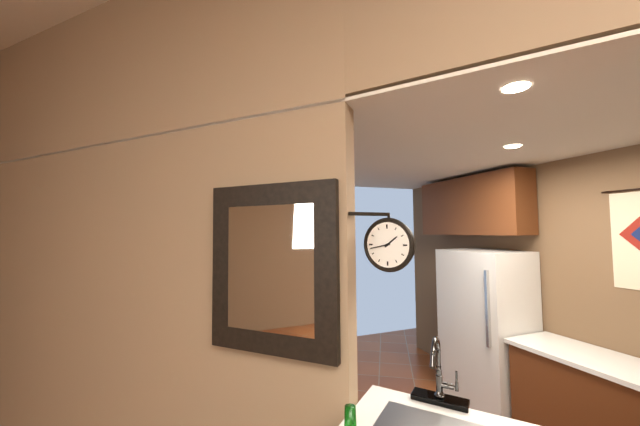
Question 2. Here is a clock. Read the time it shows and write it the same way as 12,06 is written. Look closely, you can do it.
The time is 1,43
